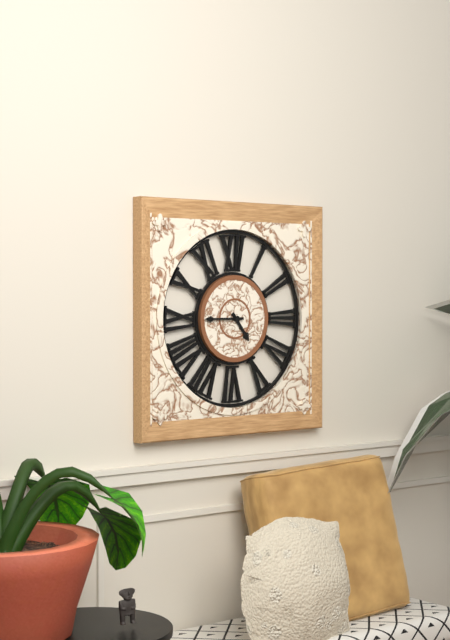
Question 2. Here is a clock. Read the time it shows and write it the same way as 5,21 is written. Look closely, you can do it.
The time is 4,45
